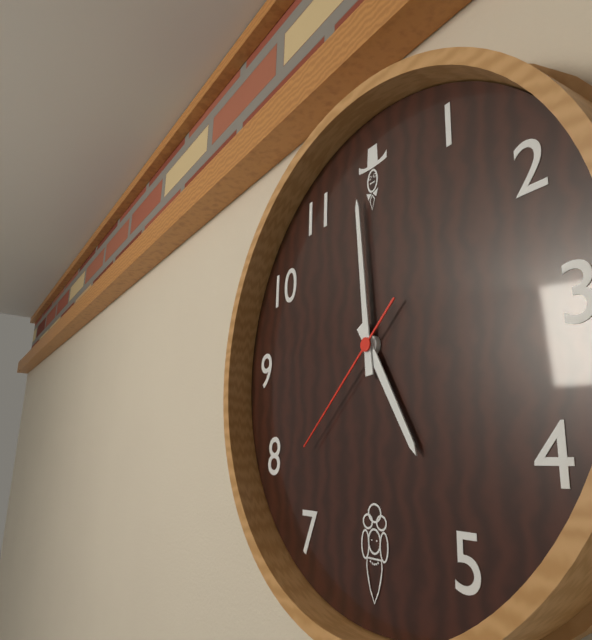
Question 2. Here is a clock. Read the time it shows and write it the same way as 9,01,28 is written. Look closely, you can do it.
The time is 4,59,38
